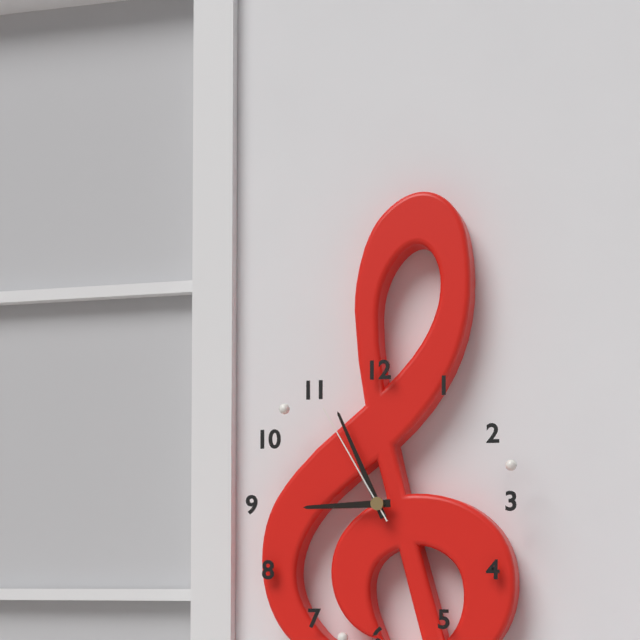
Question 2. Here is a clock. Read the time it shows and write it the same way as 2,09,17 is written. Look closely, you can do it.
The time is 8,56,55
